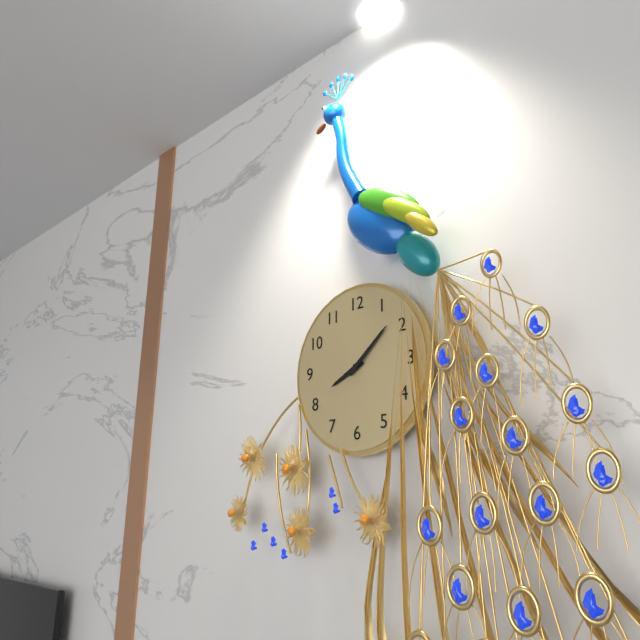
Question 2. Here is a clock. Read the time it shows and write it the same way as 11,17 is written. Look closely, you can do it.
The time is 8,08
